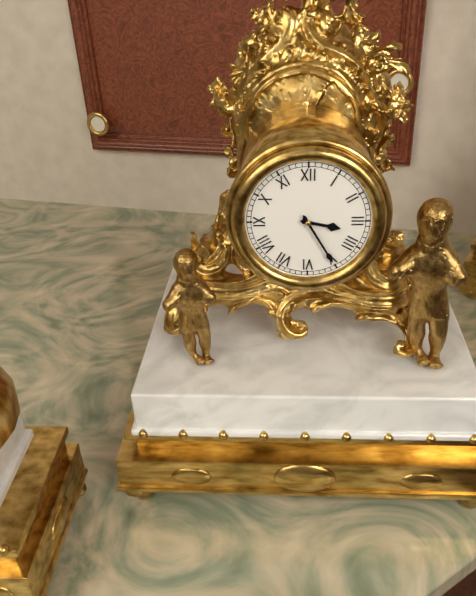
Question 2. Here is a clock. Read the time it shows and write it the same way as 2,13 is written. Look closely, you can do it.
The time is 3,25
